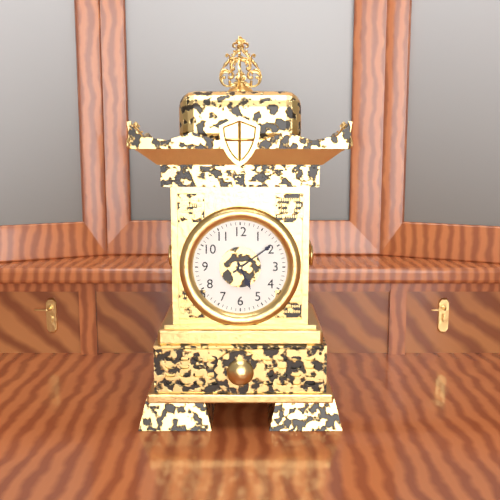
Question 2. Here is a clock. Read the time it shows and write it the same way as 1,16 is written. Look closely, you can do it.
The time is 5,09
